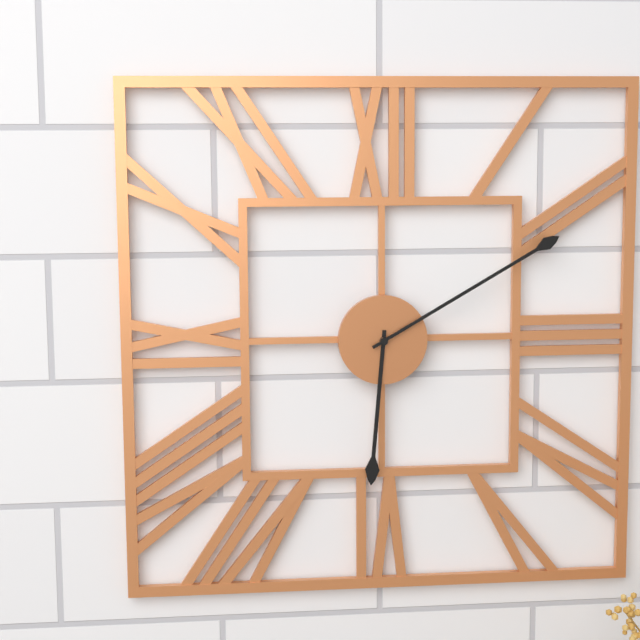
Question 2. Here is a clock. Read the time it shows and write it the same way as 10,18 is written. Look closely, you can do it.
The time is 6,10
